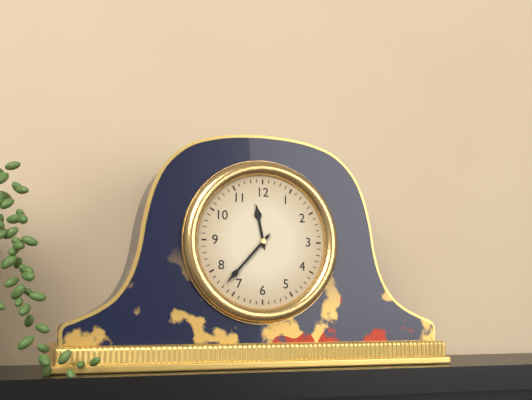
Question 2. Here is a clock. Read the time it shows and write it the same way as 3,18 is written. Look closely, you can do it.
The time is 11,37
